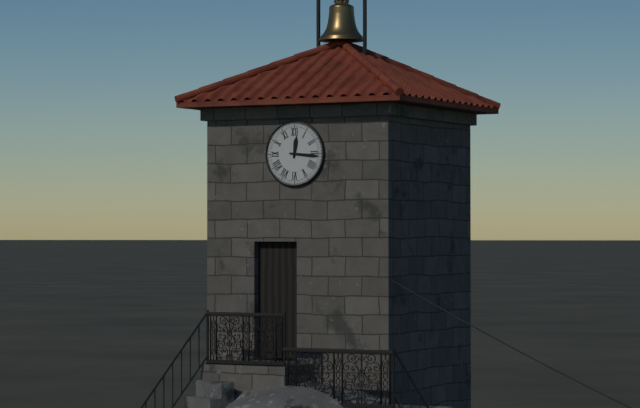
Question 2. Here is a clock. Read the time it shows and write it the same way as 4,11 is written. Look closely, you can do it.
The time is 12,16
